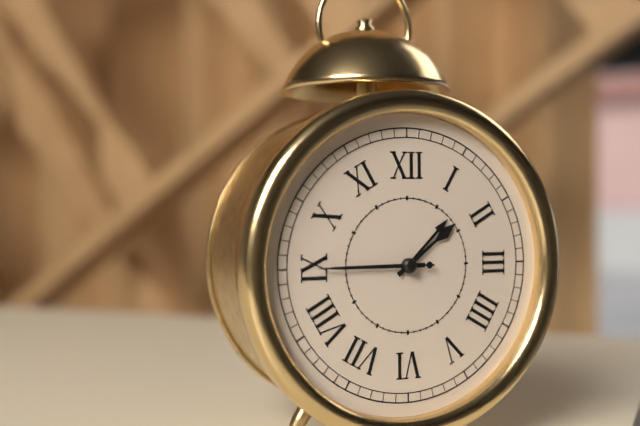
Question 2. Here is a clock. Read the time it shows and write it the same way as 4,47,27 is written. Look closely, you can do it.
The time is 1,45,45
